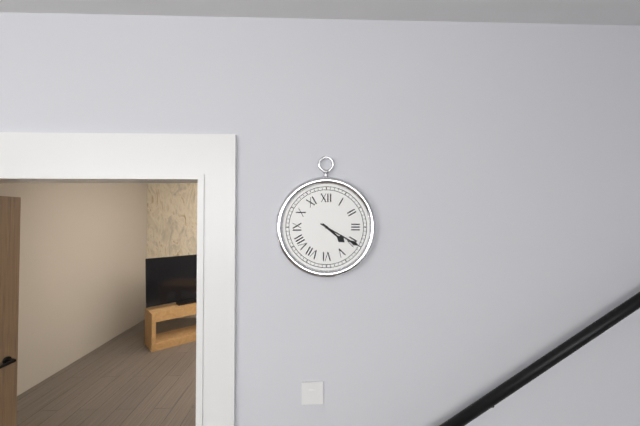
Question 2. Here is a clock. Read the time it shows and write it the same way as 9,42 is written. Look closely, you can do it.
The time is 4,20
